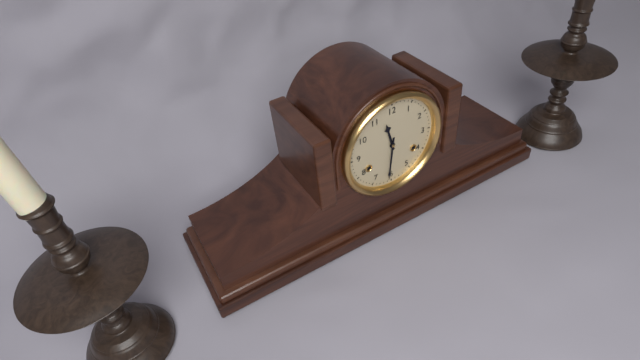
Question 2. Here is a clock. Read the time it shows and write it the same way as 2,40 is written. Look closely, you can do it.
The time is 11,31
